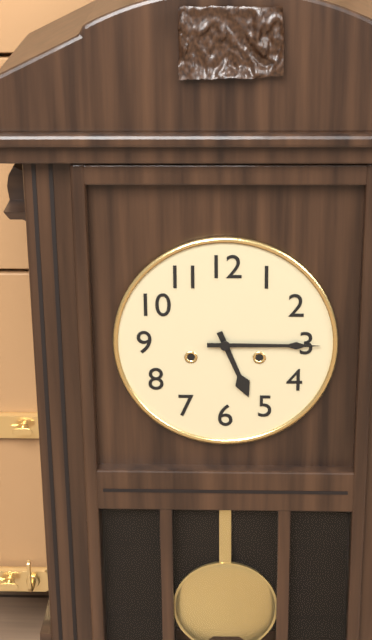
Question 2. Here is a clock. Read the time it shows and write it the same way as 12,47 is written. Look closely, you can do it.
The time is 5,15
